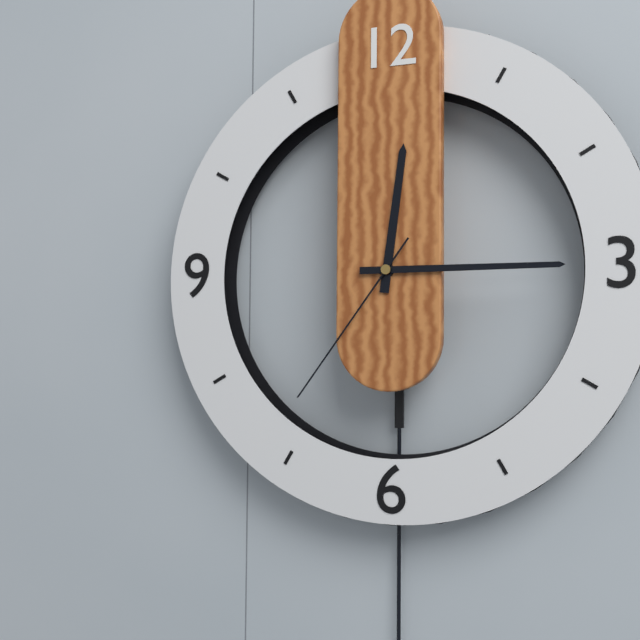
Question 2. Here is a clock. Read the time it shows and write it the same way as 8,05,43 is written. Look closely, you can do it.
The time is 12,15,36
